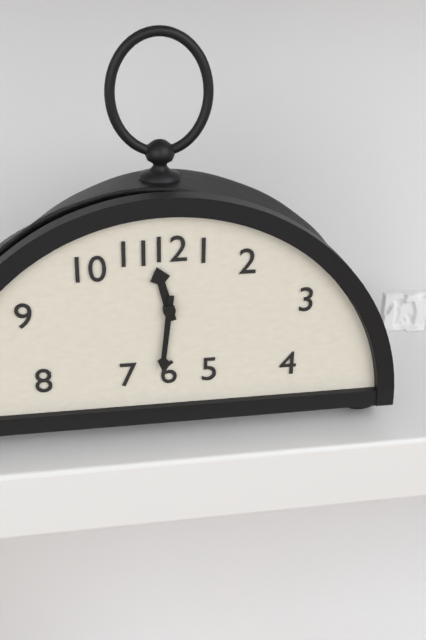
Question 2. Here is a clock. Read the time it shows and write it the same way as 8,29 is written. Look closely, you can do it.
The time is 11,31
